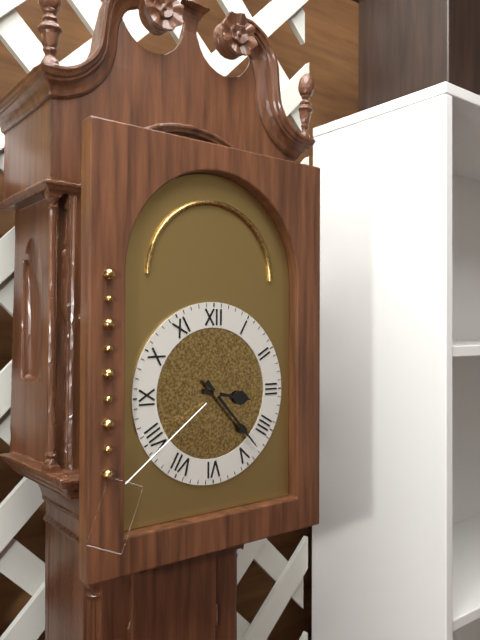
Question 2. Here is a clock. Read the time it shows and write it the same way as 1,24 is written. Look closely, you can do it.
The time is 3,23
